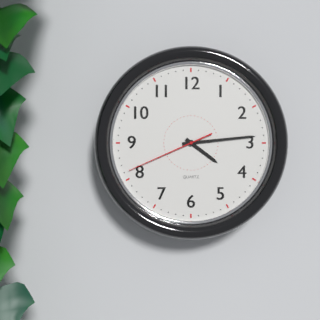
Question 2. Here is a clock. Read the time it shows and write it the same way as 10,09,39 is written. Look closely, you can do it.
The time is 4,14,41
